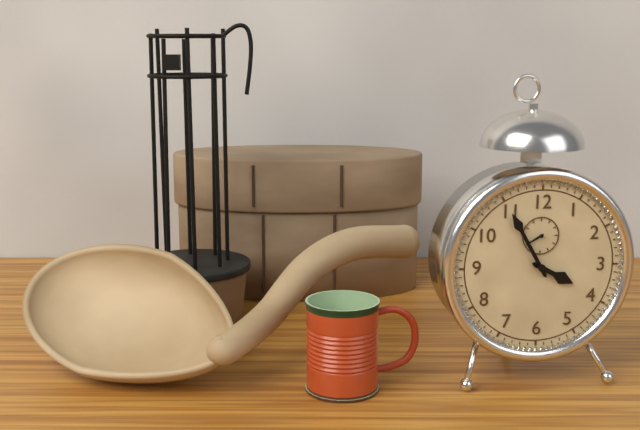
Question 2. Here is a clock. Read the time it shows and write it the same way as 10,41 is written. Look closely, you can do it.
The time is 3,55
